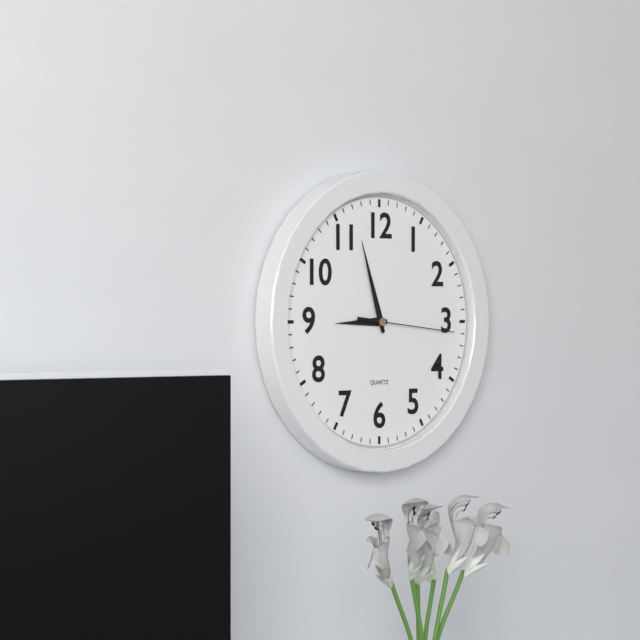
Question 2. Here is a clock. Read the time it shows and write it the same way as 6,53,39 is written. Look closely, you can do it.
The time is 8,57,16
